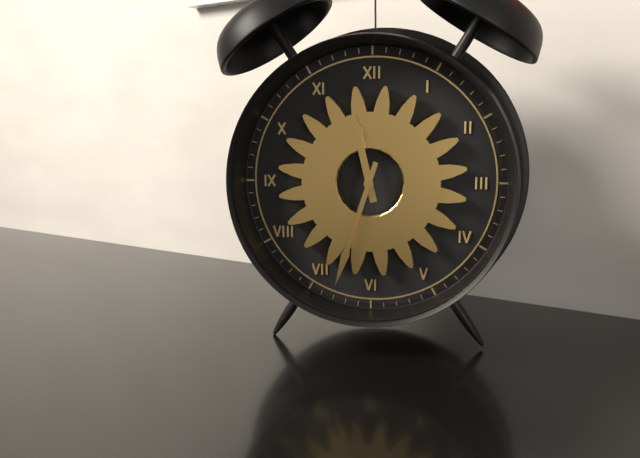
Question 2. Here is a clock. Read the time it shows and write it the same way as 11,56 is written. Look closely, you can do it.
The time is 11,33
